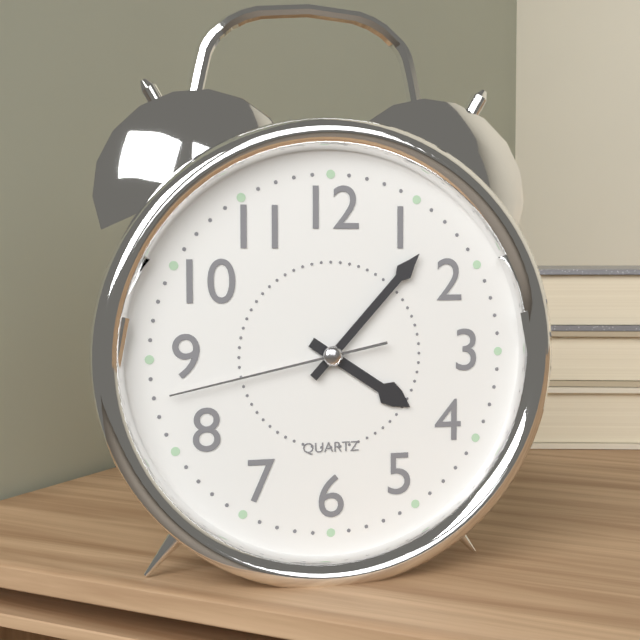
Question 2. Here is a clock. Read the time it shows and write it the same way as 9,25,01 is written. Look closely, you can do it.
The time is 4,07,43
